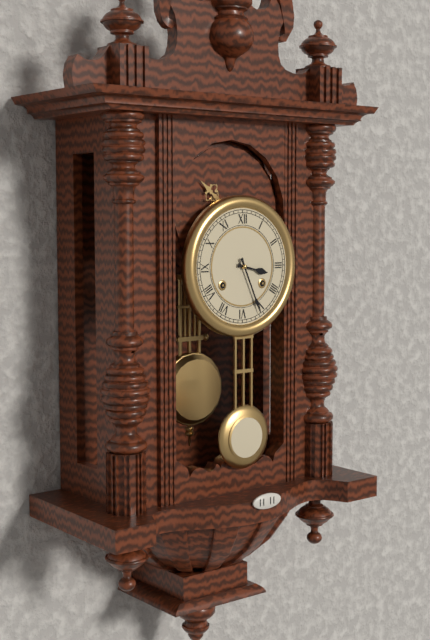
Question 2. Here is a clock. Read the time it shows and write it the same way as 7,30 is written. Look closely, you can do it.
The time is 3,26
